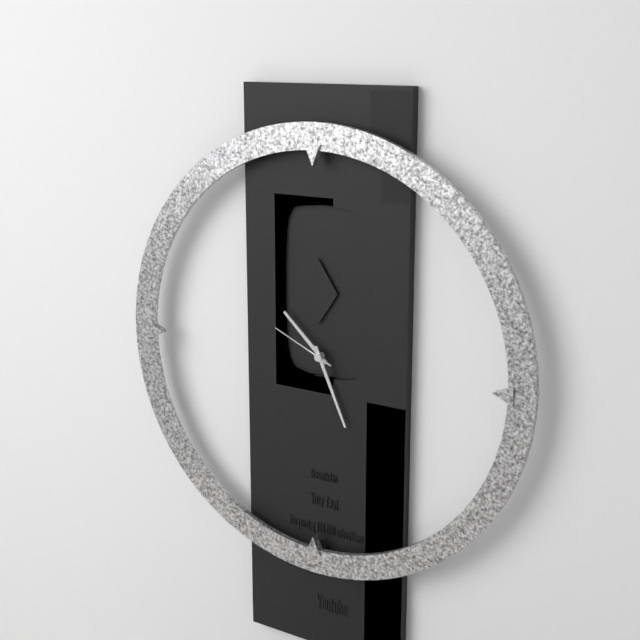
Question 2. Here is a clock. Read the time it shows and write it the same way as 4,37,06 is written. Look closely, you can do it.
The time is 10,26,49
